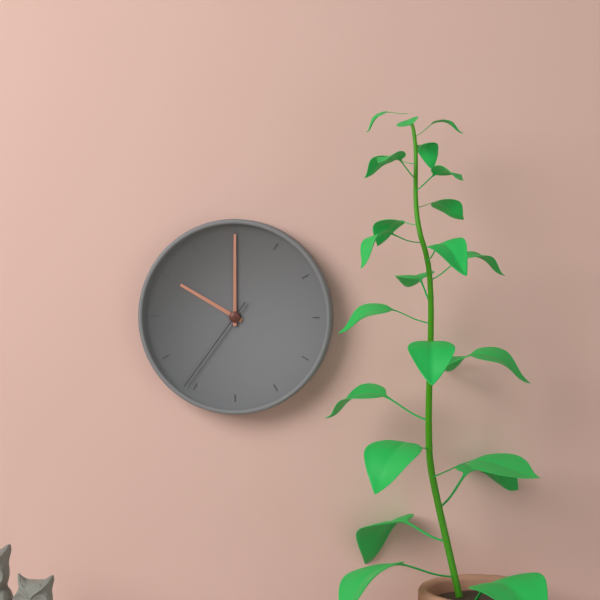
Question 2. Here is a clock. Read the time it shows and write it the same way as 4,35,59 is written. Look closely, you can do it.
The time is 10,00,36
